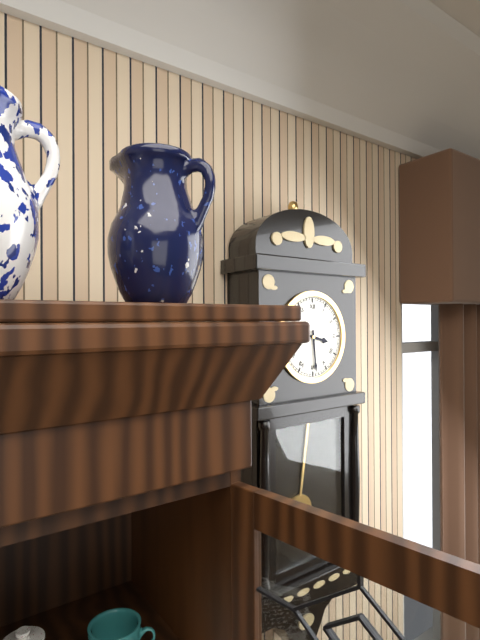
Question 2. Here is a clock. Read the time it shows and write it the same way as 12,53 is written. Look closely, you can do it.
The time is 3,29
